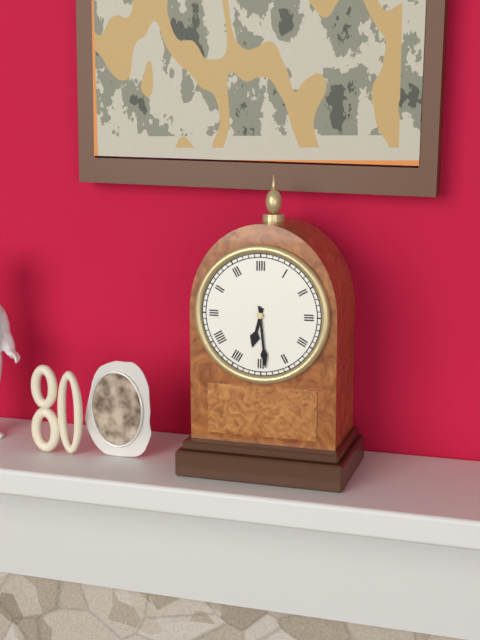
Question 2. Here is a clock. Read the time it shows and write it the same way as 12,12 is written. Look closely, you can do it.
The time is 6,29
